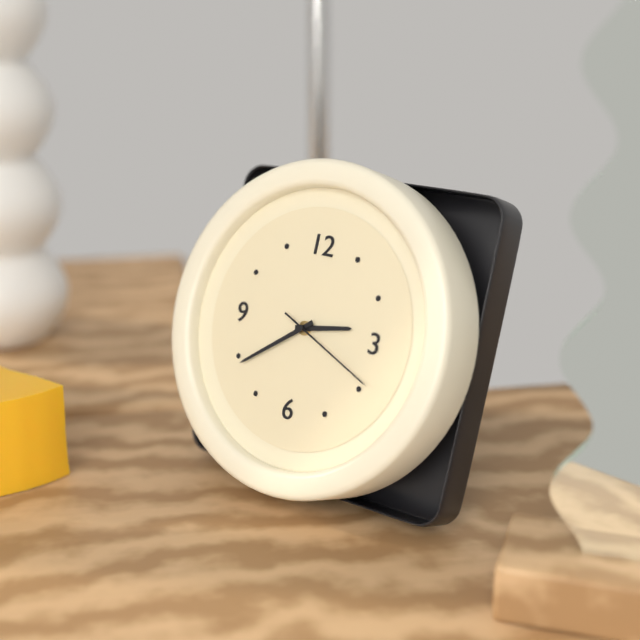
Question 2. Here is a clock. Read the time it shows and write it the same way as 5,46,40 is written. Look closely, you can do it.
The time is 2,39,19
